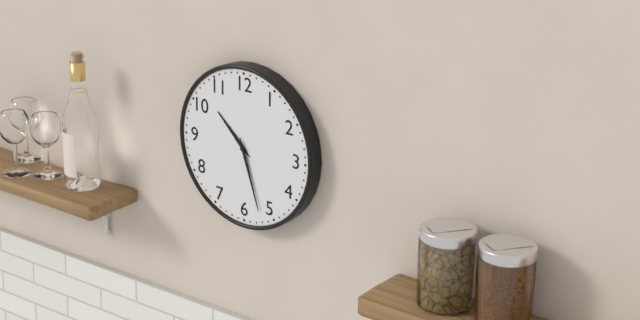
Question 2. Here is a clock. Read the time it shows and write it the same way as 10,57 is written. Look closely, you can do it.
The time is 10,27
